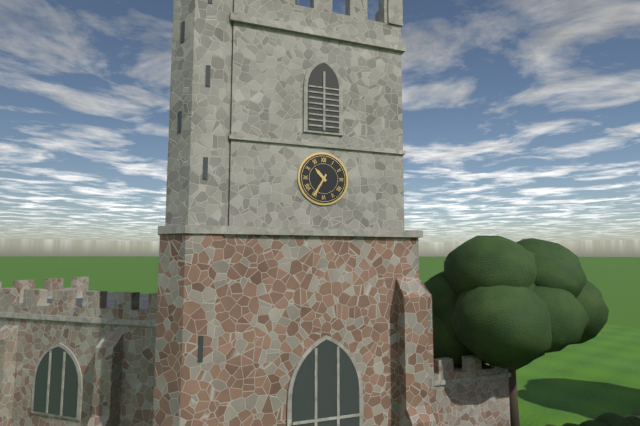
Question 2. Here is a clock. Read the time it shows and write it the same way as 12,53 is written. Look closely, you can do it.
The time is 10,35
